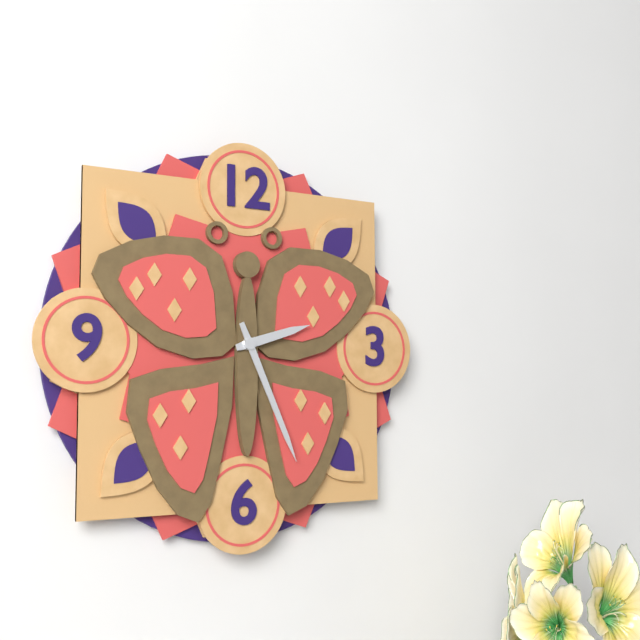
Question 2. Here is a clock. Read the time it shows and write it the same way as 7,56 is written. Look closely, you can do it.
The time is 2,26
